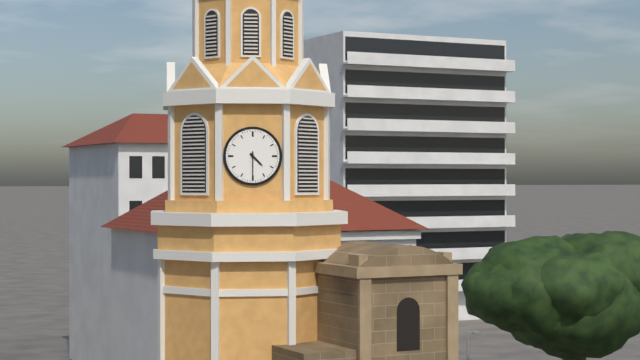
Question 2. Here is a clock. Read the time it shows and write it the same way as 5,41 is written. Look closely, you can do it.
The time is 4,30
